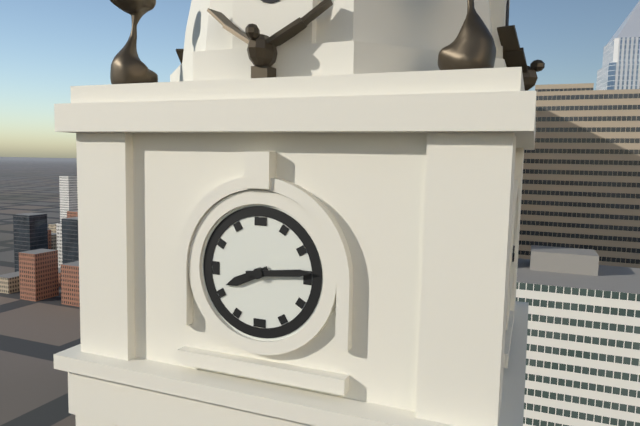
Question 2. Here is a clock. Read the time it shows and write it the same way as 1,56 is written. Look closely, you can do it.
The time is 8,14
